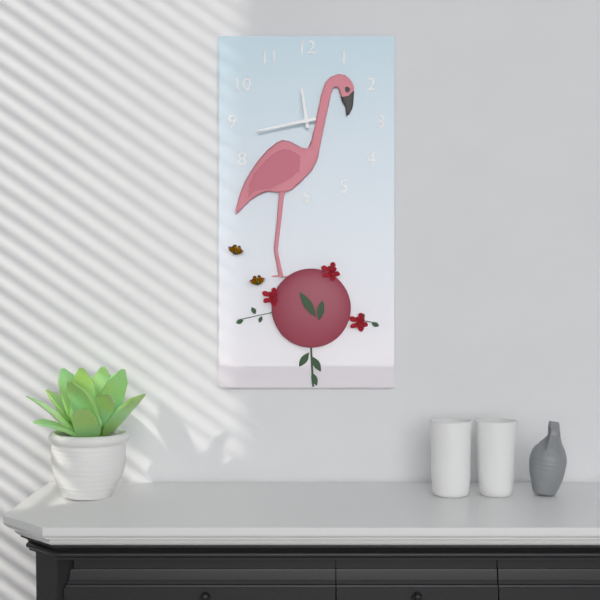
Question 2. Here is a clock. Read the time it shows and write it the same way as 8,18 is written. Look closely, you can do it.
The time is 11,43
